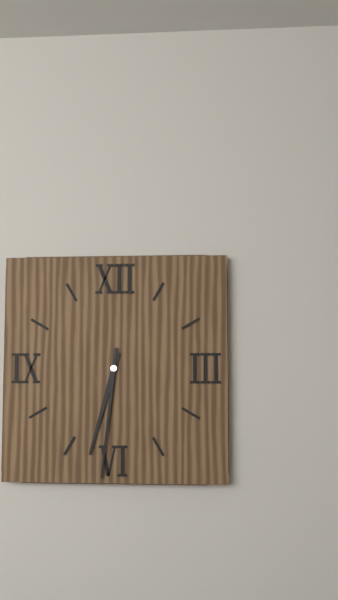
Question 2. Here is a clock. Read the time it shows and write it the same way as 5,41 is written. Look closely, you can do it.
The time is 6,31
